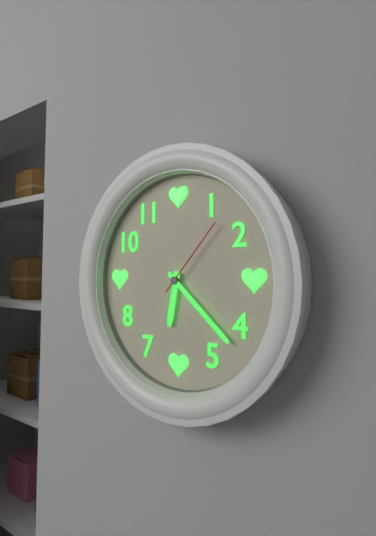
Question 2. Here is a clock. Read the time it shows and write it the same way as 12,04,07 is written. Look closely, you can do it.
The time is 6,22,07
